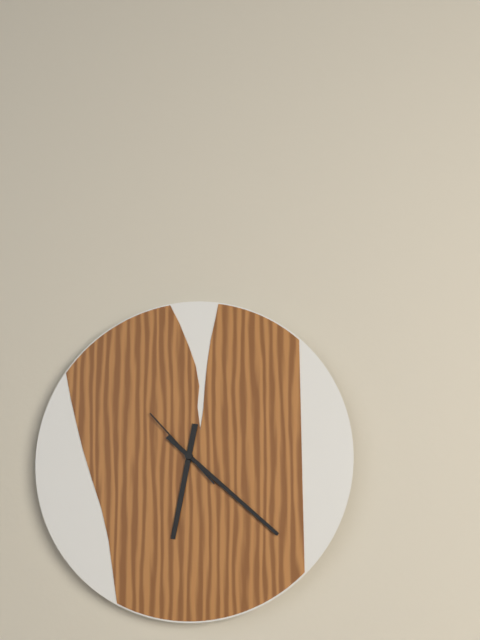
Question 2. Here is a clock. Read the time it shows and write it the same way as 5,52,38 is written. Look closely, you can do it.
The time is 6,22,53
